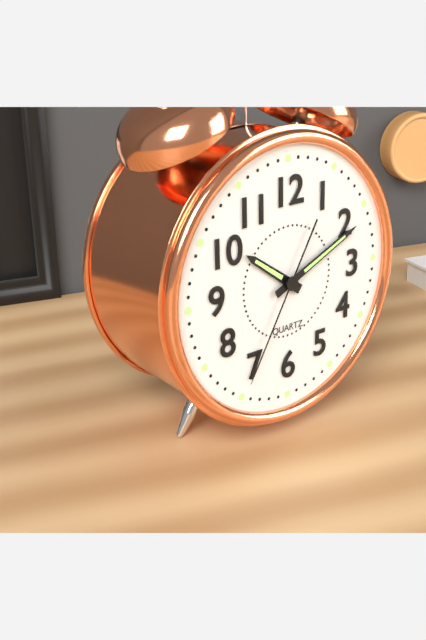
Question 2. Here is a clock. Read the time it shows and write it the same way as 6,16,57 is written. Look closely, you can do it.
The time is 10,11,35
